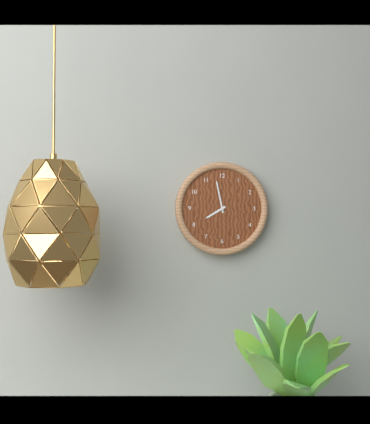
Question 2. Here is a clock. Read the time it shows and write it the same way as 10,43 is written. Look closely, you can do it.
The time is 7,58
